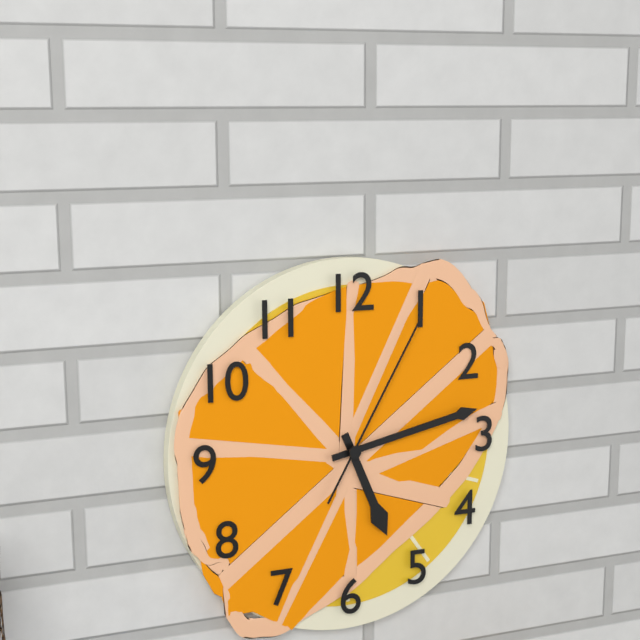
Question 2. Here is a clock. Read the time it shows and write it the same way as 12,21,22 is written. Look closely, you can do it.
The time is 5,13,05
